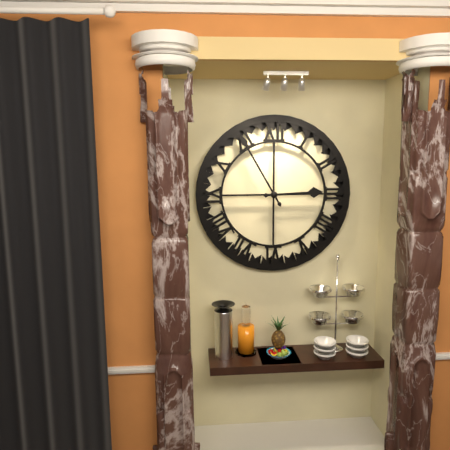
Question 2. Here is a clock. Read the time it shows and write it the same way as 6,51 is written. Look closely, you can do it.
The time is 2,55
